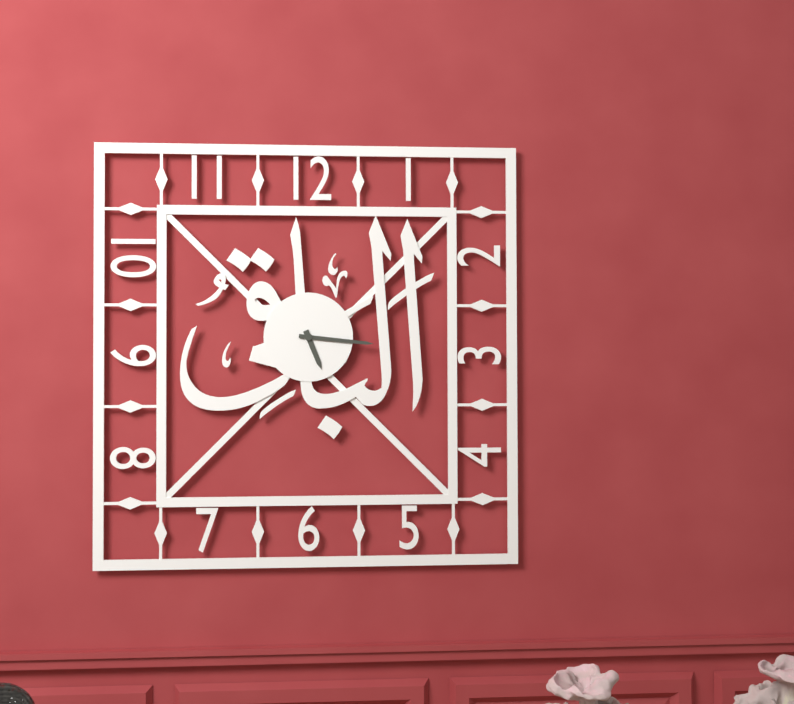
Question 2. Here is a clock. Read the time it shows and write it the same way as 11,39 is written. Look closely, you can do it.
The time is 5,16
